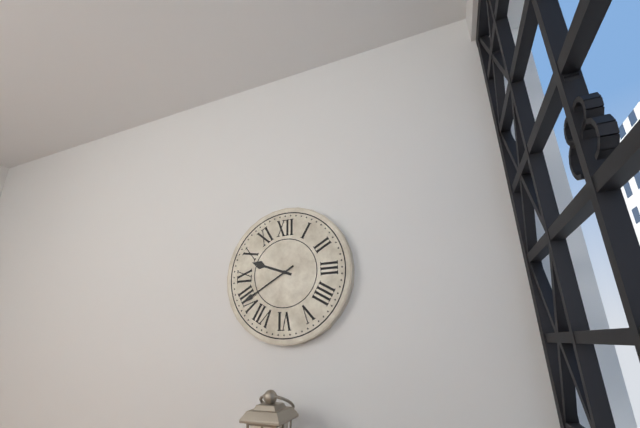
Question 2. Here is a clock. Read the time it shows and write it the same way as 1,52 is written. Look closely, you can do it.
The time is 9,40
